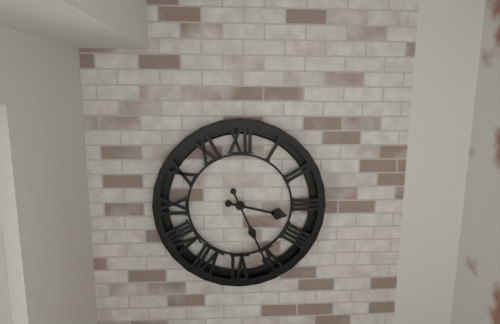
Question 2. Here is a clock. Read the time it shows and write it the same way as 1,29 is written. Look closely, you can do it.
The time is 3,26
